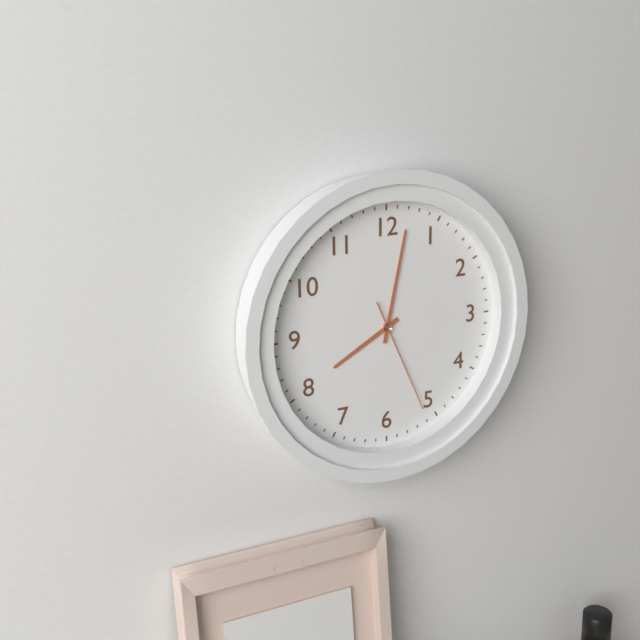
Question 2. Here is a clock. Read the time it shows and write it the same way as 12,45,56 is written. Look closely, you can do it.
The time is 8,02,26
